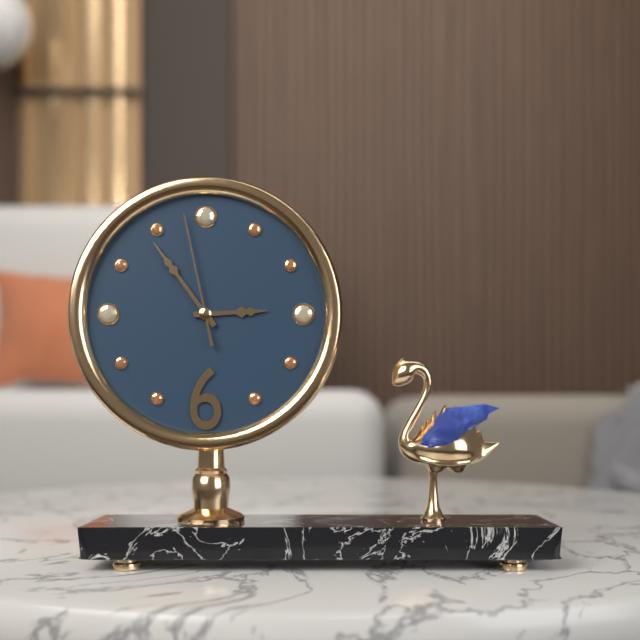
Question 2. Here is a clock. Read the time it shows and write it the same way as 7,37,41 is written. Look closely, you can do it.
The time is 2,54,58
